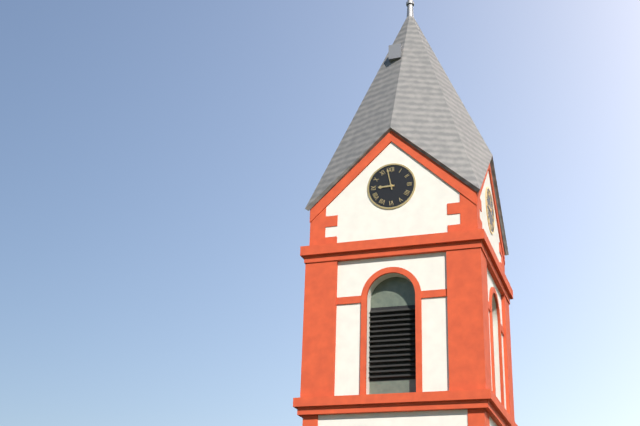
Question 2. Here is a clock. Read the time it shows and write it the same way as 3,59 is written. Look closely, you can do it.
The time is 8,58
